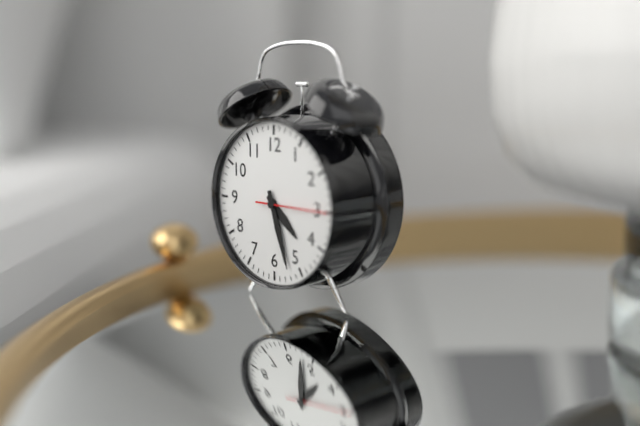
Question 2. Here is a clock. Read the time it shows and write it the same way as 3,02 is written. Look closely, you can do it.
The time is 4,27
